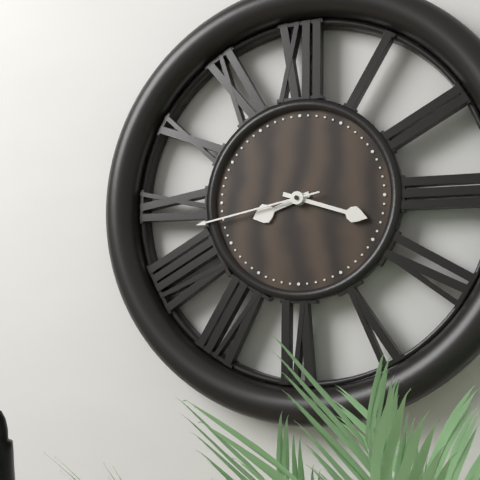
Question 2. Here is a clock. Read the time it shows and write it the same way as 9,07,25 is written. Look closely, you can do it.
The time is 8,18,43
